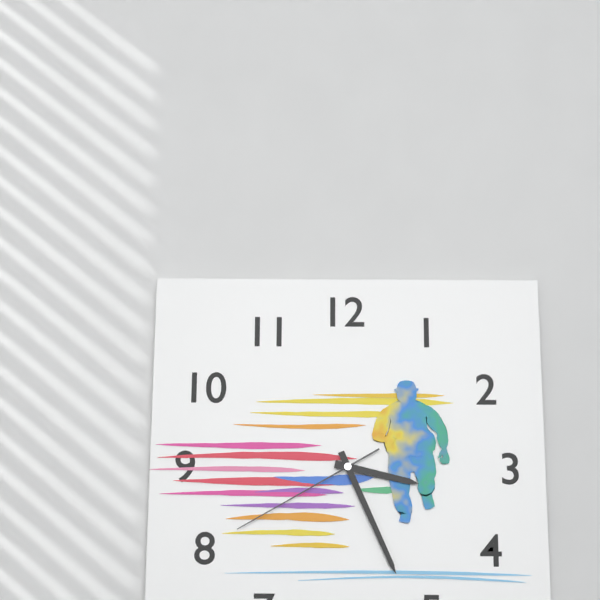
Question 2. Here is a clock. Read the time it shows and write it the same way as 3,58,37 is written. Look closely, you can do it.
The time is 3,26,40
